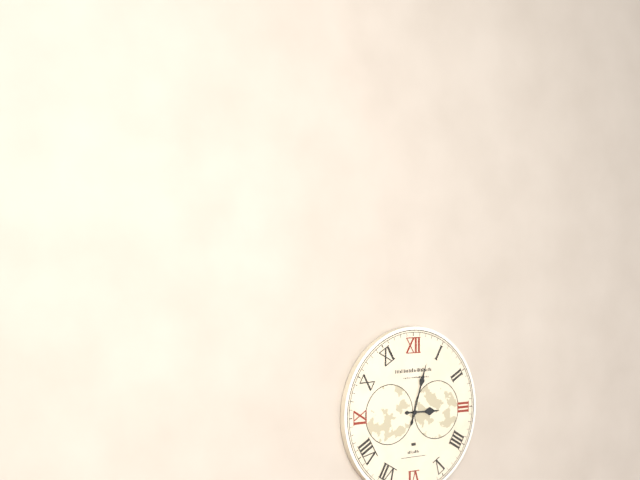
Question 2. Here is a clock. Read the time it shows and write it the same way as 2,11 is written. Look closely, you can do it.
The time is 3,03
